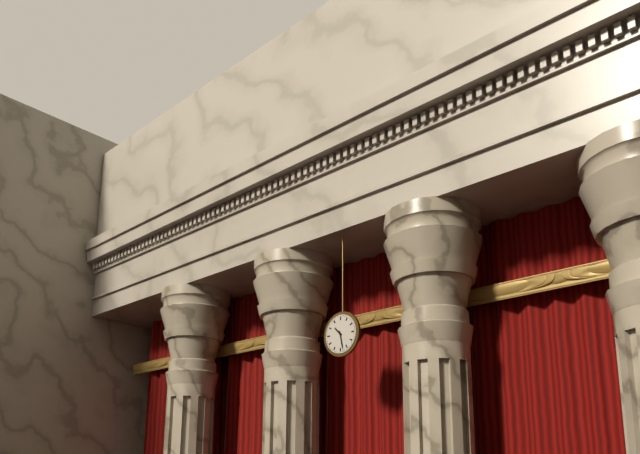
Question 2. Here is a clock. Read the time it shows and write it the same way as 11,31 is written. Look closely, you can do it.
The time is 10,28
